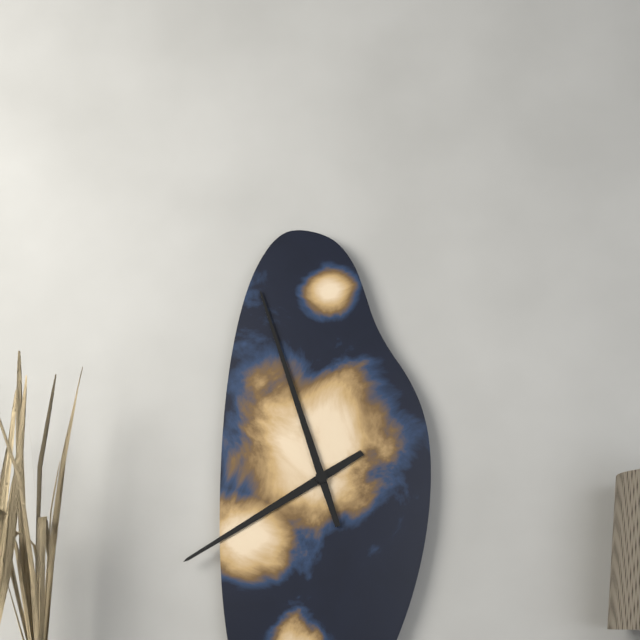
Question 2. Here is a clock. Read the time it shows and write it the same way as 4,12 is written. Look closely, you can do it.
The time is 7,57
